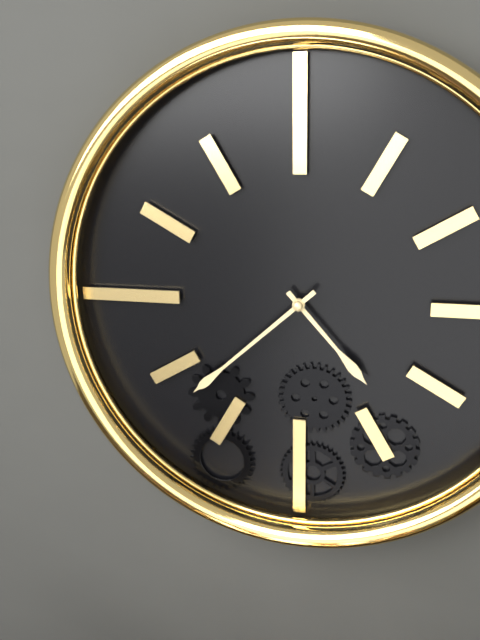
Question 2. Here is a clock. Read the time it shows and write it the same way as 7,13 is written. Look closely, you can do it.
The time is 4,38
